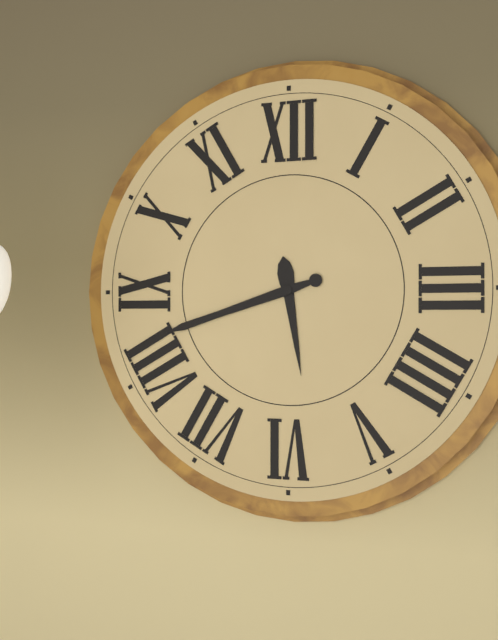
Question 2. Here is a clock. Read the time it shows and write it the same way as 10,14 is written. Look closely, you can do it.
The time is 5,42
